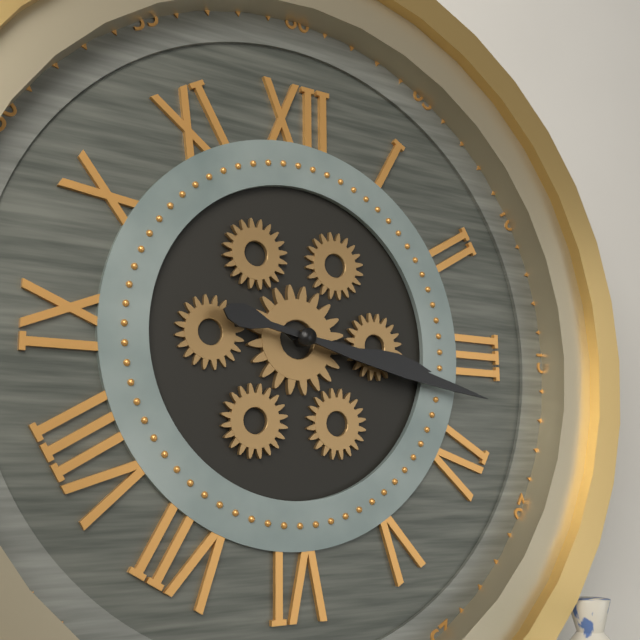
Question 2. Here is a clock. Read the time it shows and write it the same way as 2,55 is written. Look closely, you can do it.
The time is 3,17
